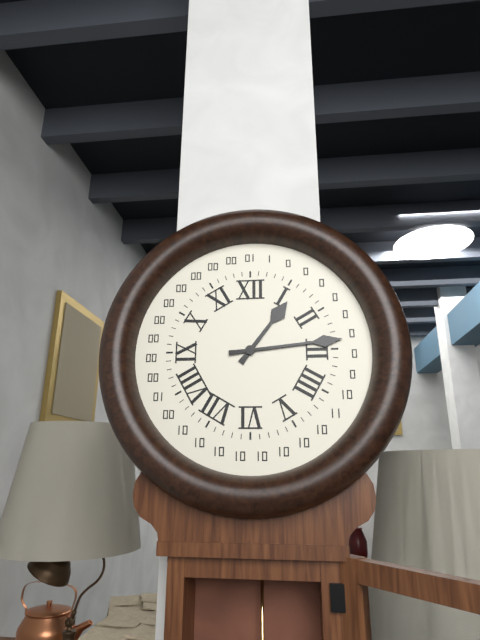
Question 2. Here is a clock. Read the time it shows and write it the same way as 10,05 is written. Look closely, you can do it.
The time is 1,14
